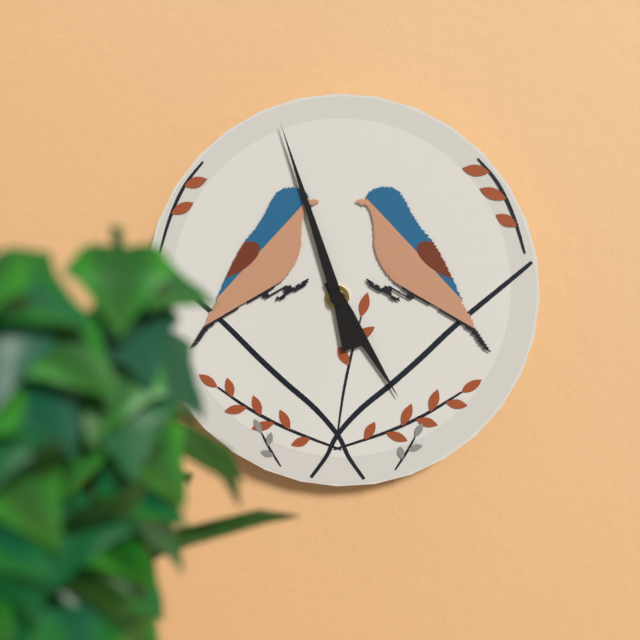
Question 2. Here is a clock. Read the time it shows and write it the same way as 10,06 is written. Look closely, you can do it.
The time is 4,57
